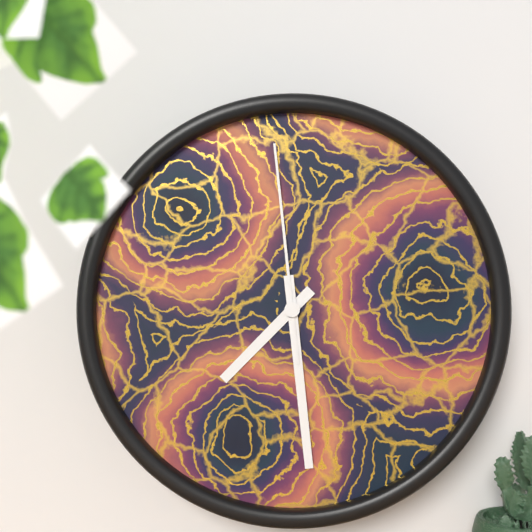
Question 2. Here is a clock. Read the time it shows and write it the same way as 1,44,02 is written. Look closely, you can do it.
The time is 7,29,59
